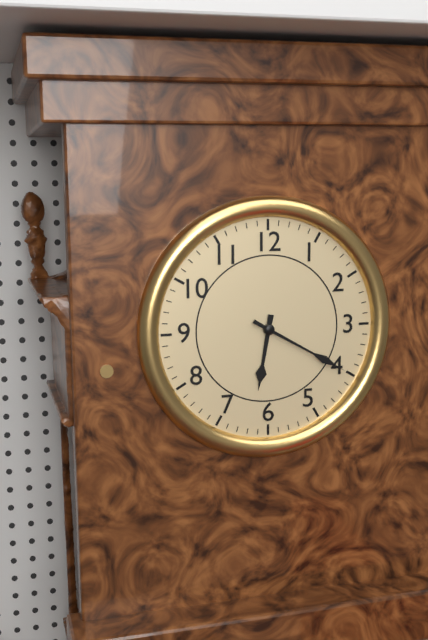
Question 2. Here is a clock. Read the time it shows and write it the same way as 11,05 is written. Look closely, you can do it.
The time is 6,20
